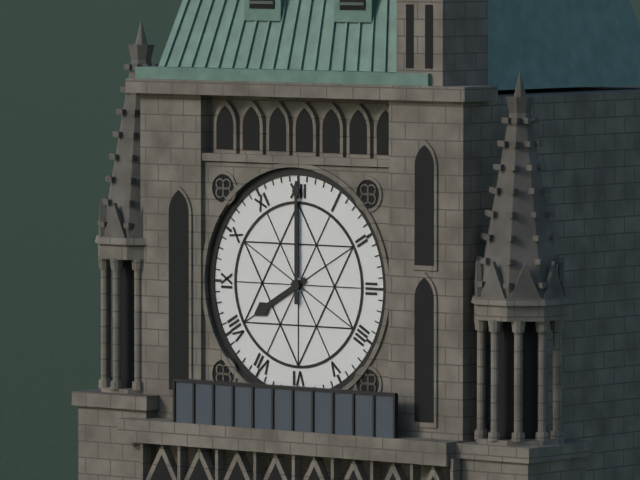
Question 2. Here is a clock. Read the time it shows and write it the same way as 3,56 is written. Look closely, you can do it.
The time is 8,00
